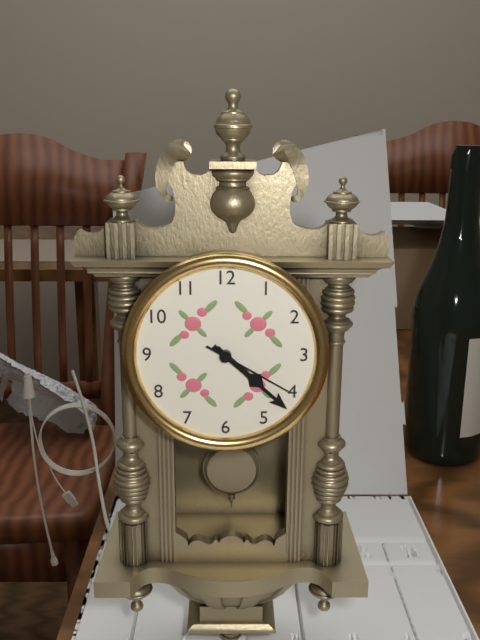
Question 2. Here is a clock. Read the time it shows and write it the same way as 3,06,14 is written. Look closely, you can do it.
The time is 4,22,20
